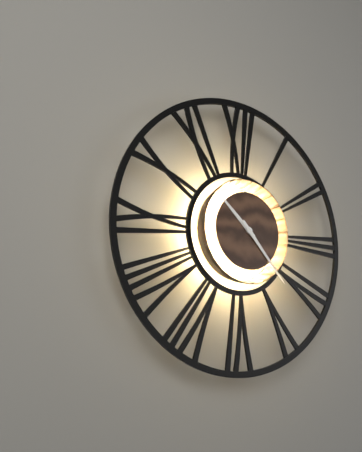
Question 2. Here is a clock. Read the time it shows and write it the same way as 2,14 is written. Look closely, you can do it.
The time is 10,23
